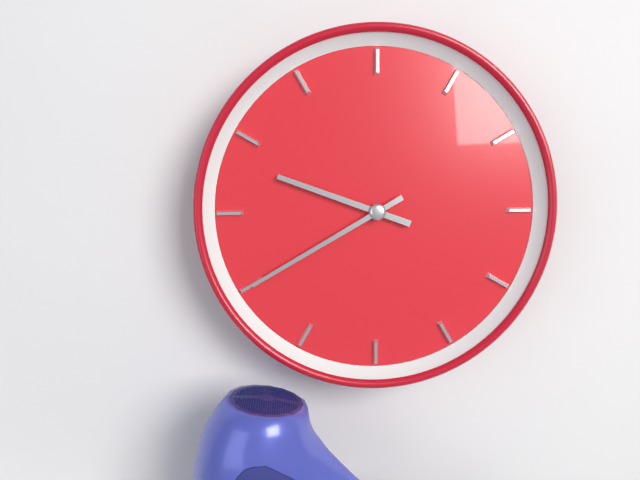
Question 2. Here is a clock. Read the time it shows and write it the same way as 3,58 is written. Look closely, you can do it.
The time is 9,40
